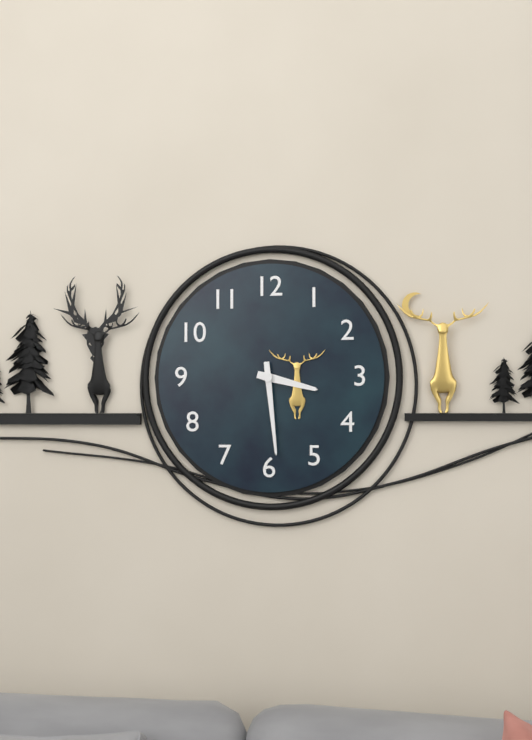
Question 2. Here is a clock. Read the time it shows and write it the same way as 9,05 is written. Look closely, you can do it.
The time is 3,29
